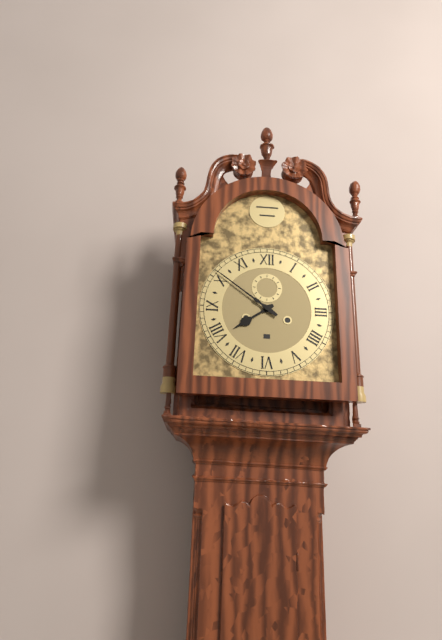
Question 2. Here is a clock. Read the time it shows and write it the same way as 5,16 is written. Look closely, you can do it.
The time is 7,51
